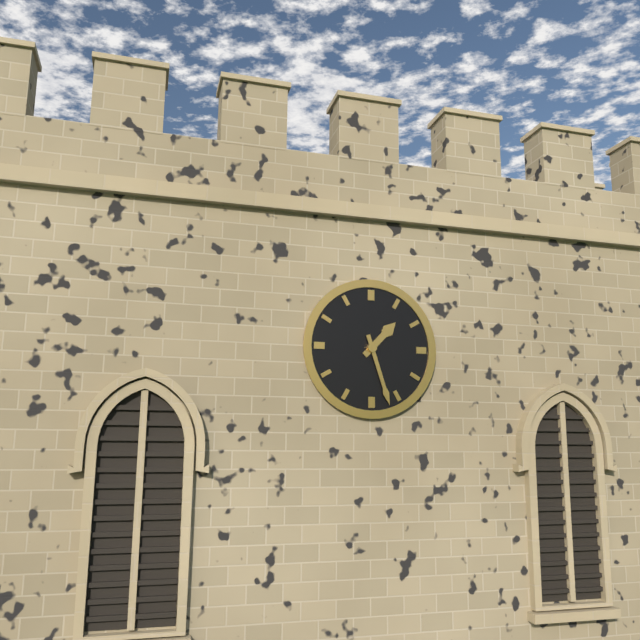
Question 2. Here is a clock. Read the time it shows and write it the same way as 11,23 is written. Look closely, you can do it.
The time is 1,27
